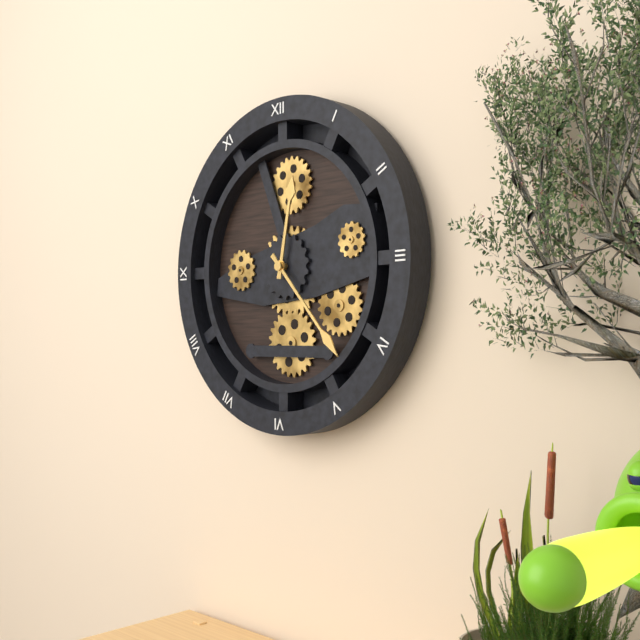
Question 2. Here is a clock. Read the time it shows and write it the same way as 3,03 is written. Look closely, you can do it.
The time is 12,23
